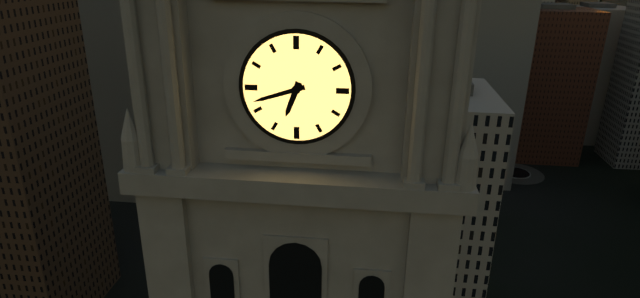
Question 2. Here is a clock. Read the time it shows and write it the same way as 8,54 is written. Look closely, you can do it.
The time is 6,42
